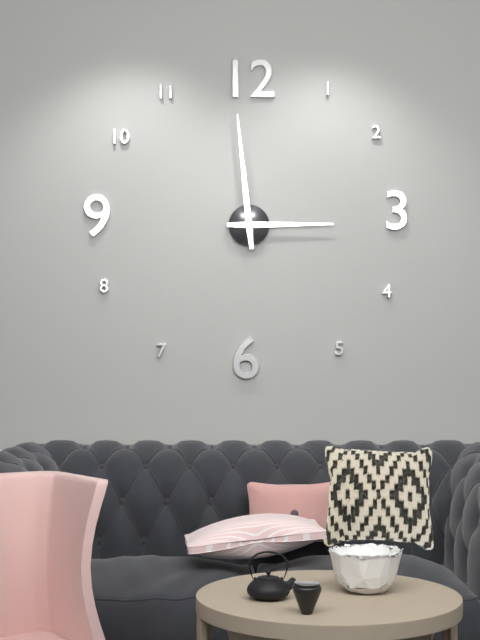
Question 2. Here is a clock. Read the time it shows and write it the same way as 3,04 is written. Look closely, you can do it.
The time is 2,59
